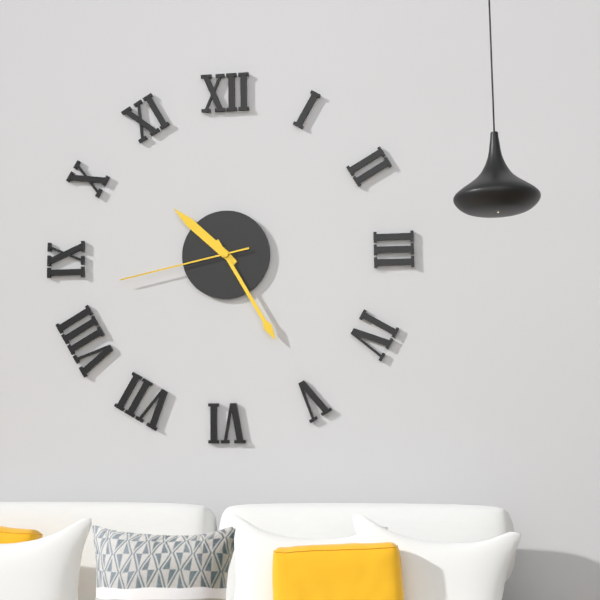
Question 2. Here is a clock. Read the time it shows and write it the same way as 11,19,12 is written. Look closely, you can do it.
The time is 10,25,43
